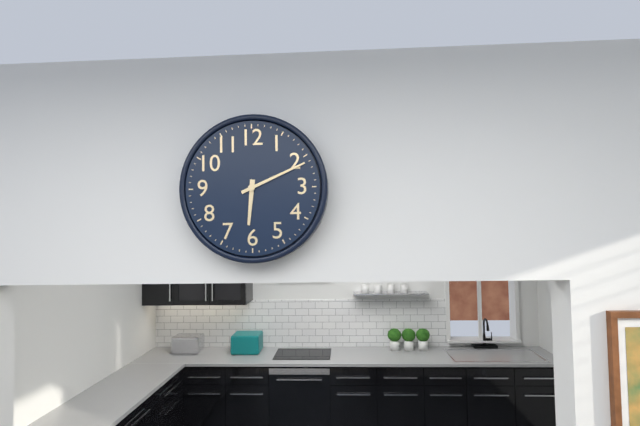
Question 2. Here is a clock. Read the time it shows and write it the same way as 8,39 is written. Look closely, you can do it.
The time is 6,11
